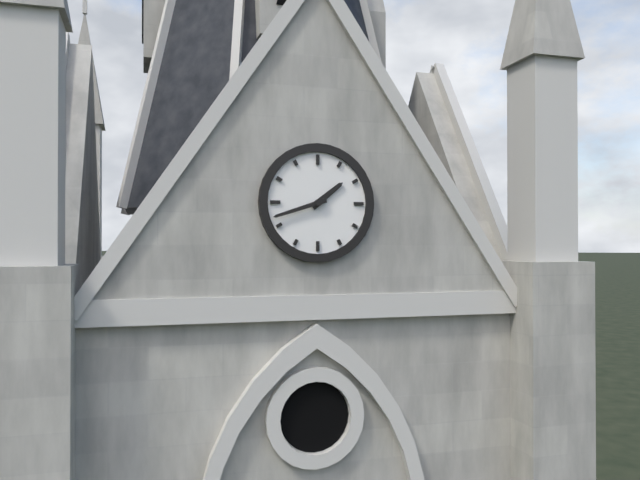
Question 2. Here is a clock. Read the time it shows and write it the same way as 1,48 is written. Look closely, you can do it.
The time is 1,42
